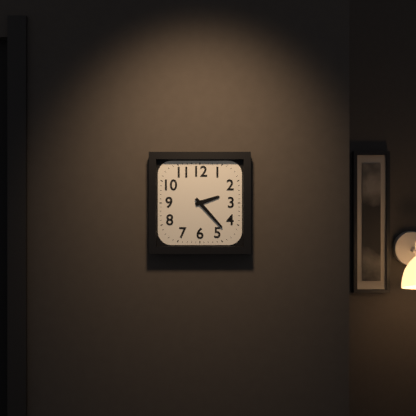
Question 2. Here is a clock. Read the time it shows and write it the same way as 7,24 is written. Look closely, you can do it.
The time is 2,23
